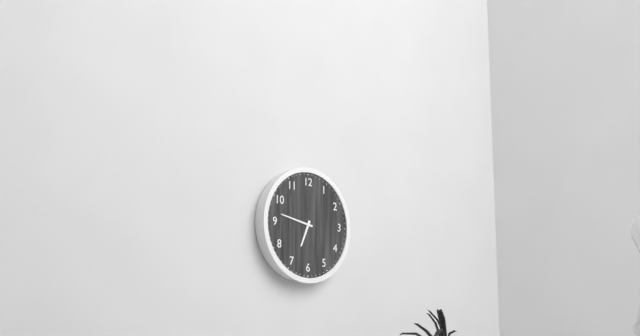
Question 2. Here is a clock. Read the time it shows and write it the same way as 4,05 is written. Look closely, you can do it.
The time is 6,47
